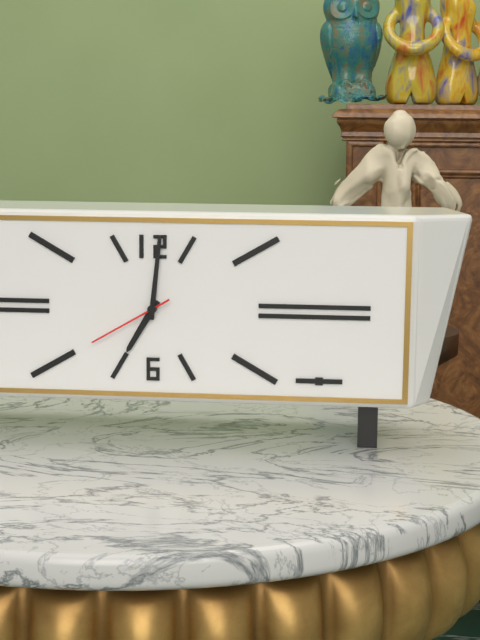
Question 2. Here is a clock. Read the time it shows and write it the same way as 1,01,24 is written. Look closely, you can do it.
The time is 7,01,40
